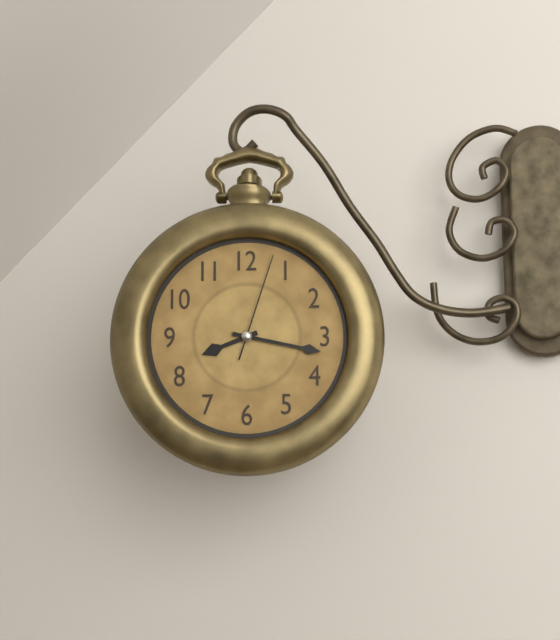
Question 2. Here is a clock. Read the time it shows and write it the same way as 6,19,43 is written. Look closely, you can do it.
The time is 8,17,03
